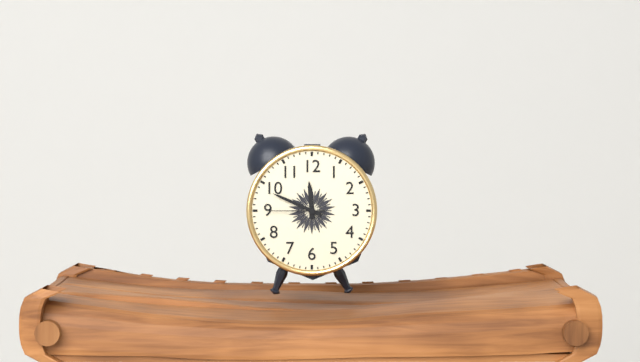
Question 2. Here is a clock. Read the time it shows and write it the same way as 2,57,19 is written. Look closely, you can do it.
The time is 11,49,45
